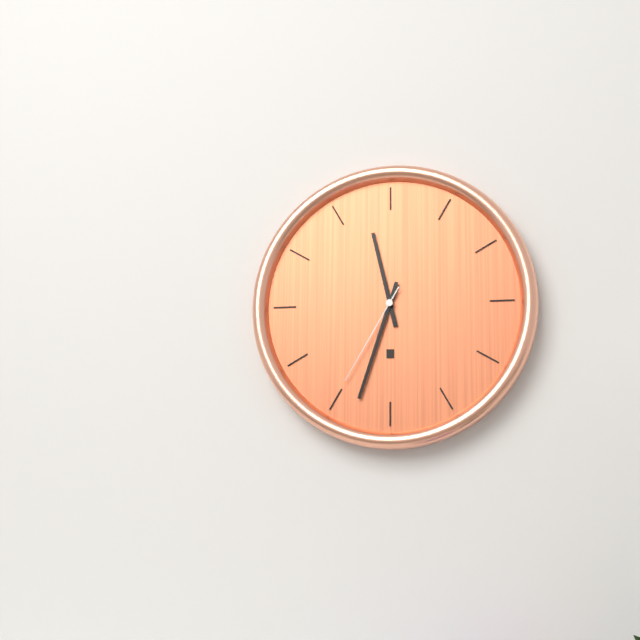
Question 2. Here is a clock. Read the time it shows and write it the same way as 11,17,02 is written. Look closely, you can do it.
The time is 11,33,35
